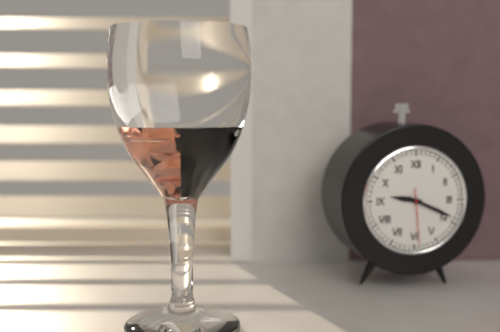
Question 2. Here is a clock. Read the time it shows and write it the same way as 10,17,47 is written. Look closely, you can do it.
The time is 9,19,29
